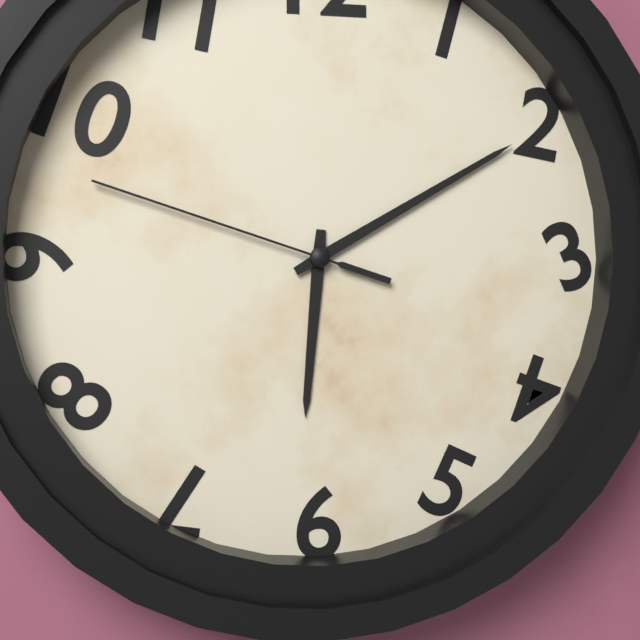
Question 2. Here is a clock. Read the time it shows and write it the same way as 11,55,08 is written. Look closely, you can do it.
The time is 6,10,48
